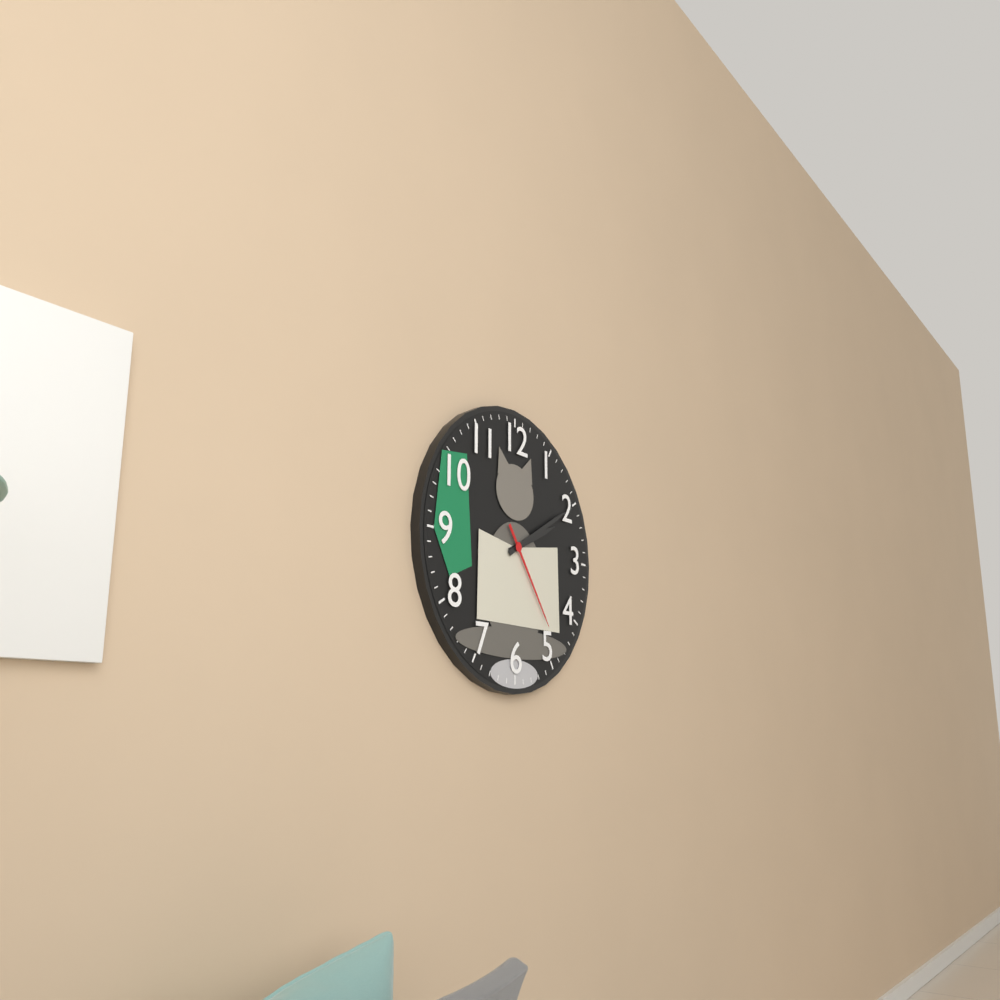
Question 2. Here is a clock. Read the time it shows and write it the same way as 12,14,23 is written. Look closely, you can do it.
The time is 2,10,24
